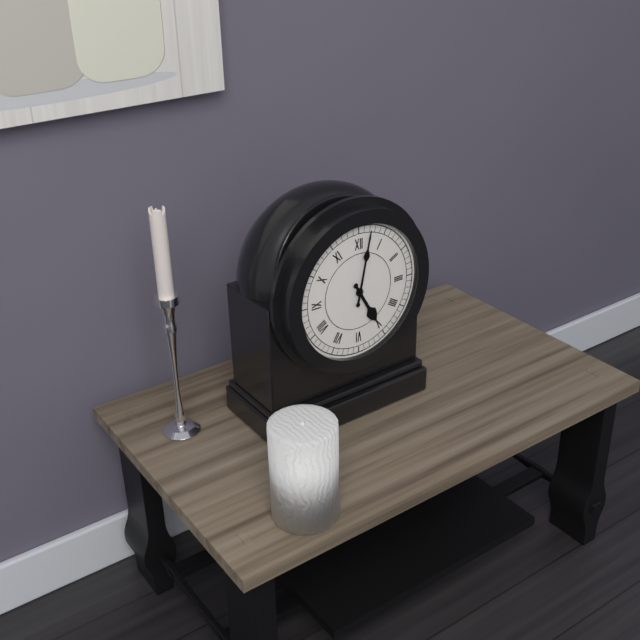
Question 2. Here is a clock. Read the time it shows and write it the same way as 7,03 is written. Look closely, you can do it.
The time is 5,02
